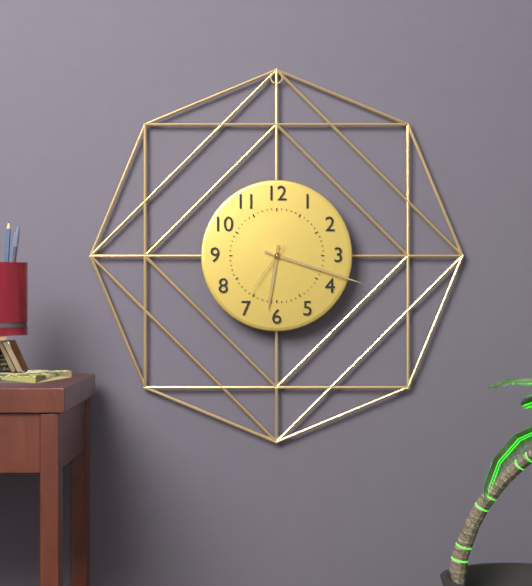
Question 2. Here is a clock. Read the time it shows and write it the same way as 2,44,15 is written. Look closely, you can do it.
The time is 6,18,36
